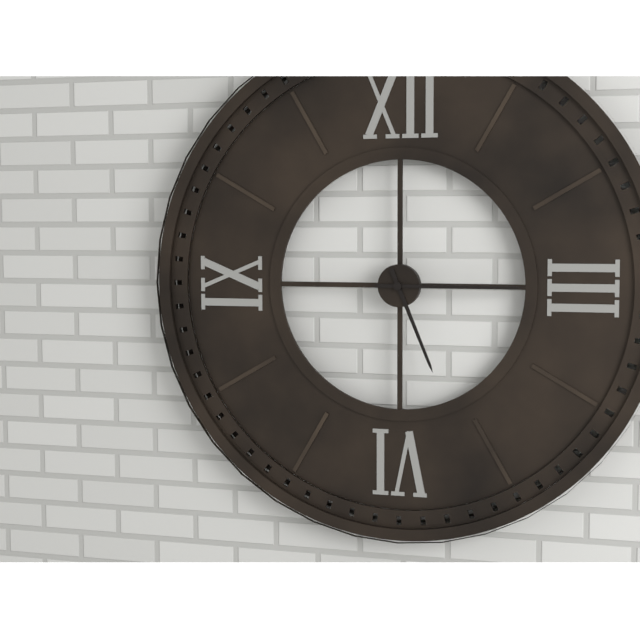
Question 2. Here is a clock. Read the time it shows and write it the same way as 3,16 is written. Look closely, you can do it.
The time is 5,15
